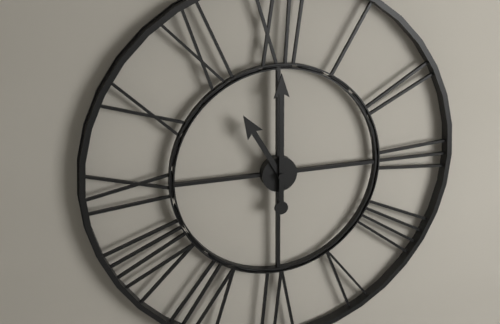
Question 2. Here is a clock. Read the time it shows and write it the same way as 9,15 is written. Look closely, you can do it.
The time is 11,00
